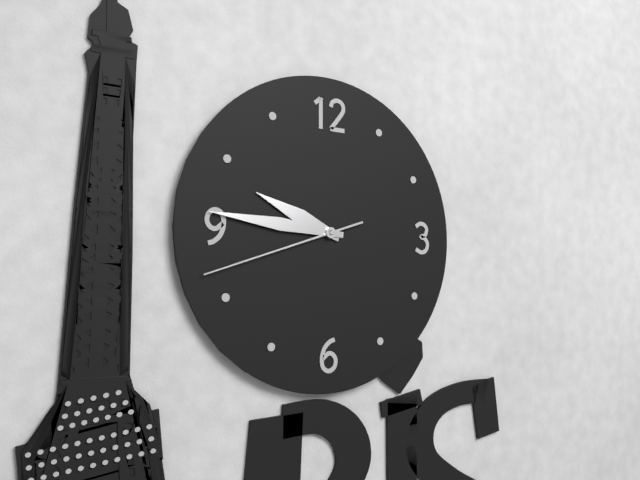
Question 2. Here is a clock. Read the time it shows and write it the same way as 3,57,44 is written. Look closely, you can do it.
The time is 9,46,42
